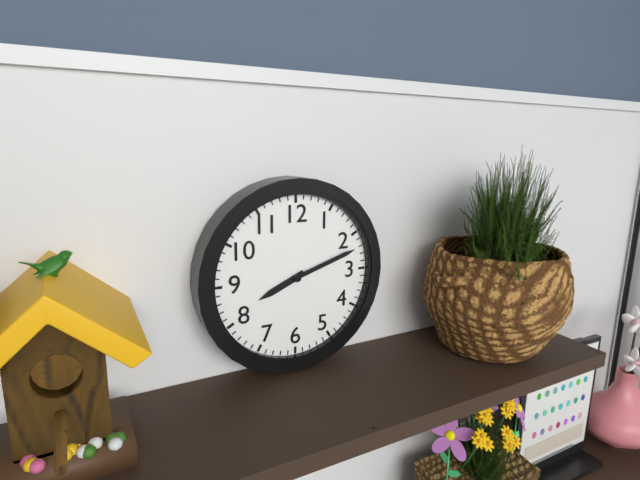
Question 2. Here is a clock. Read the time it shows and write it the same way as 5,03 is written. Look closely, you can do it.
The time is 8,12
